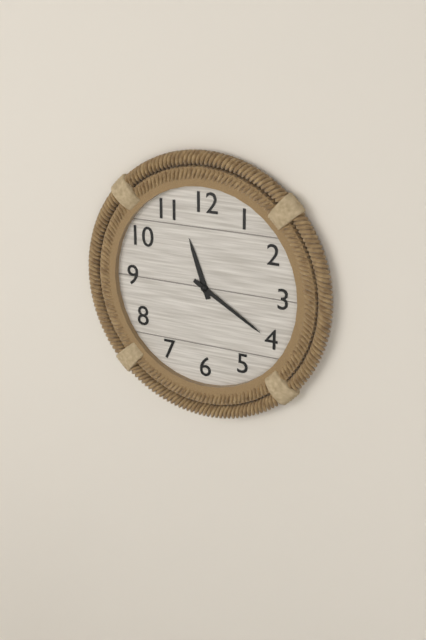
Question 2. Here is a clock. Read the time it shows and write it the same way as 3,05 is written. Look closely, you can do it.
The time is 11,20
